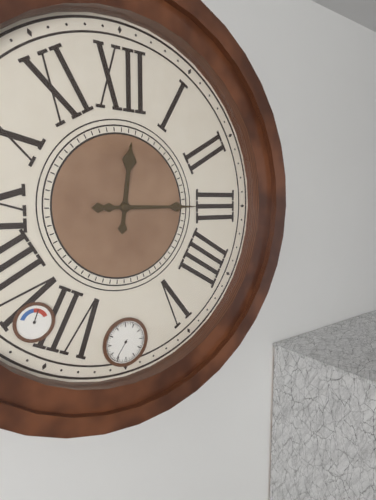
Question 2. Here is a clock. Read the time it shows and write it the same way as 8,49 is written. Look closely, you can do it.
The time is 12,15
